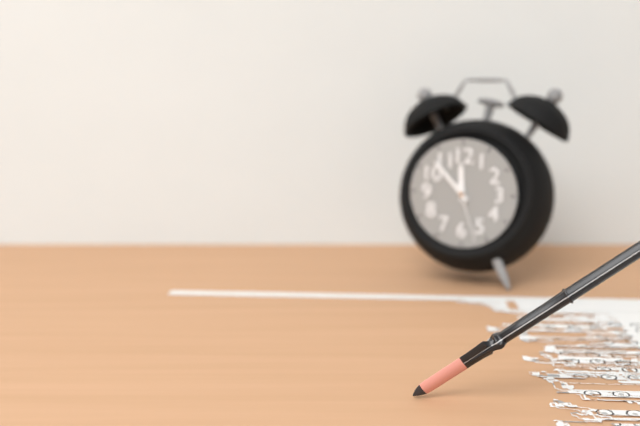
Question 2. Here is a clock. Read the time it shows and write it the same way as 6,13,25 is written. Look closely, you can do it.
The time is 11,53,27
